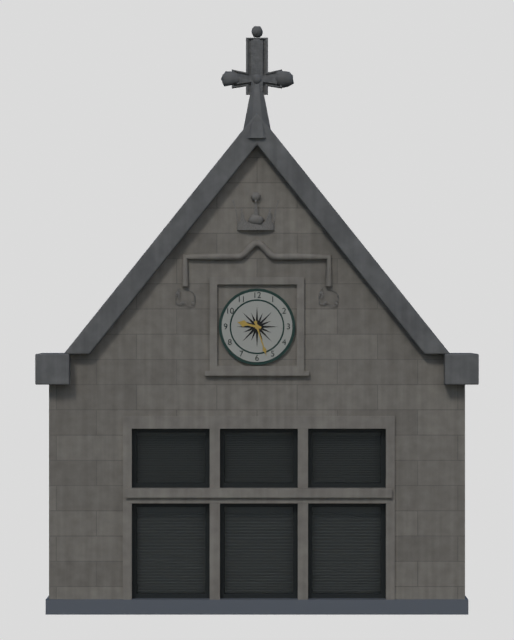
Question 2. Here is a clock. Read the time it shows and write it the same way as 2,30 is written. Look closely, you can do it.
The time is 9,27
